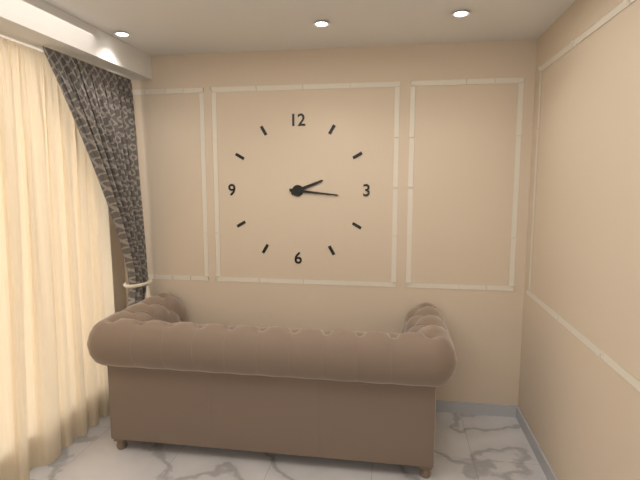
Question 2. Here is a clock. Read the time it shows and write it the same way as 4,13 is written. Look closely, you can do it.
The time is 2,16
